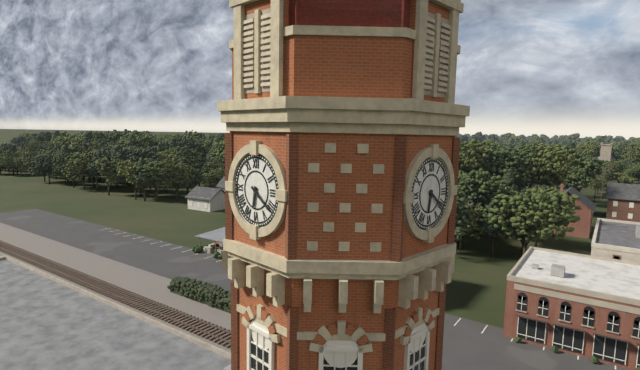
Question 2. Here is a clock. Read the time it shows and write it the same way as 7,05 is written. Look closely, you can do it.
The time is 6,21
